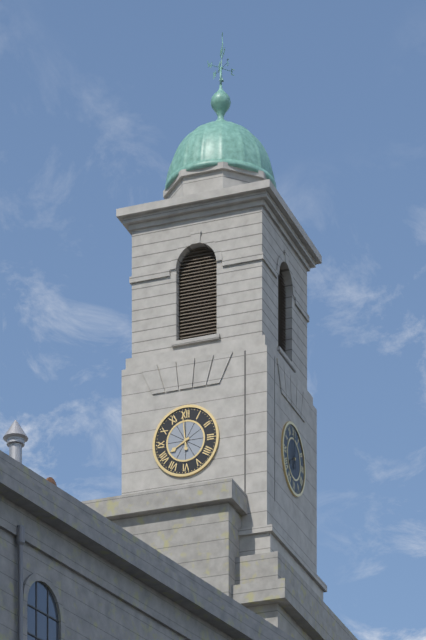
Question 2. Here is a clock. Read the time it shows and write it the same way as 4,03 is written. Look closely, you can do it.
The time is 7,59
